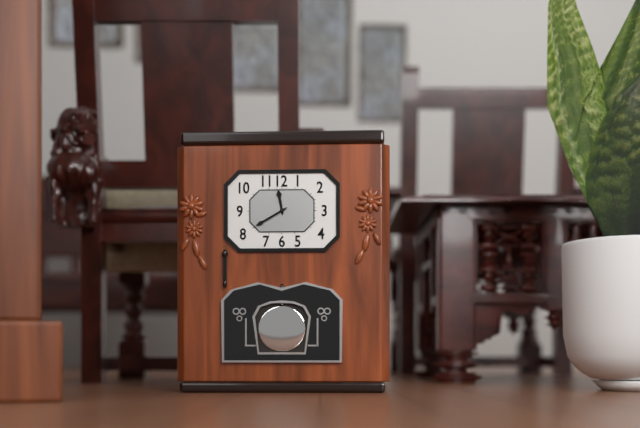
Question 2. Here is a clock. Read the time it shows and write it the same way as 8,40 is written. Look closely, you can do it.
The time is 11,40
